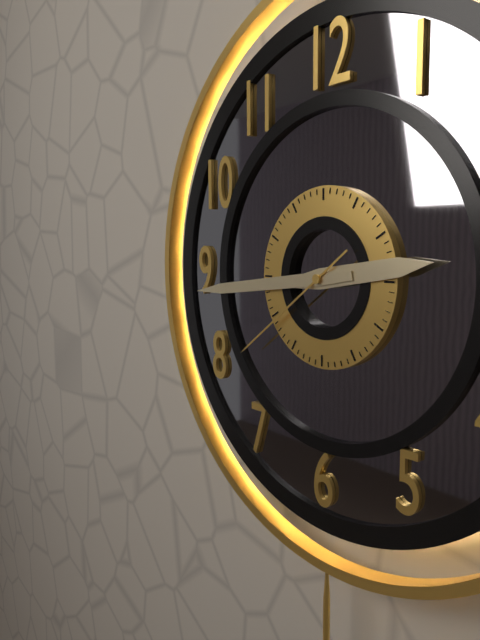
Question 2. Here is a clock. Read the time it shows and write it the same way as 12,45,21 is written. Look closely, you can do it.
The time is 2,44,39
